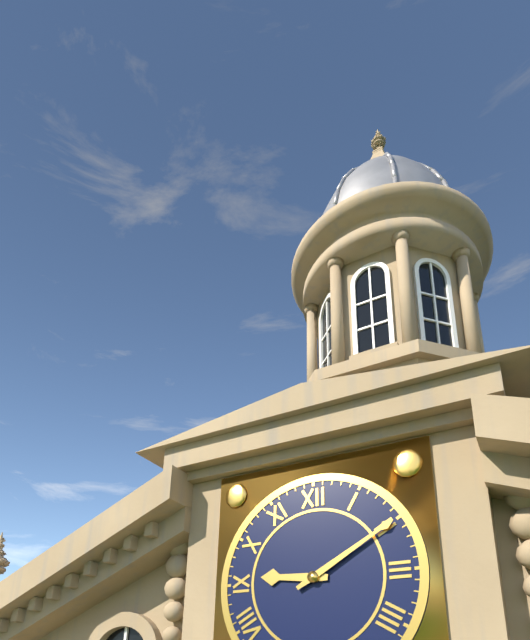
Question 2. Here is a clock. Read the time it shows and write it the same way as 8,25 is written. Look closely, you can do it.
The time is 9,10
